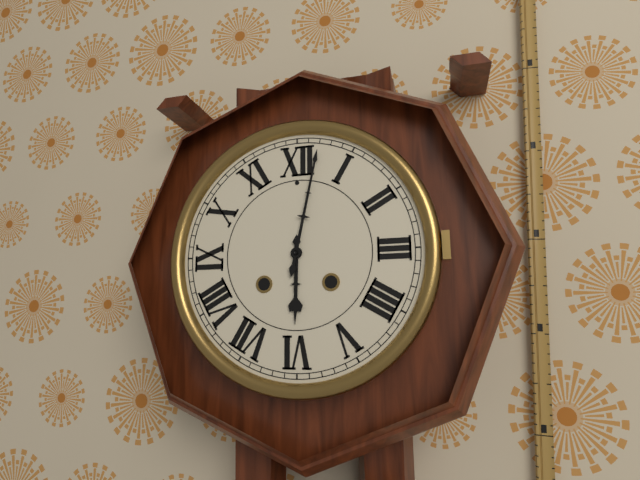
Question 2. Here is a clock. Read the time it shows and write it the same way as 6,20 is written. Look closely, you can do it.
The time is 6,02
